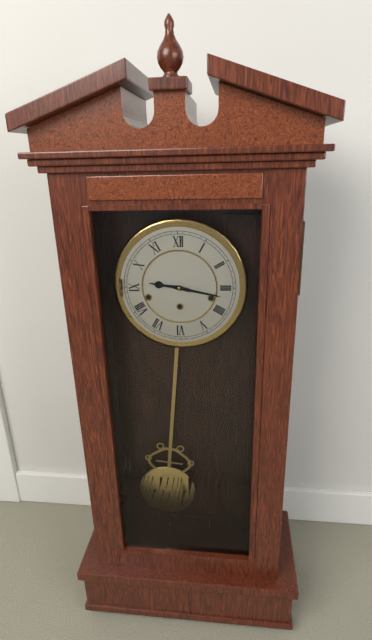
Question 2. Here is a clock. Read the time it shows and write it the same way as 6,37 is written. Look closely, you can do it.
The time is 9,17
